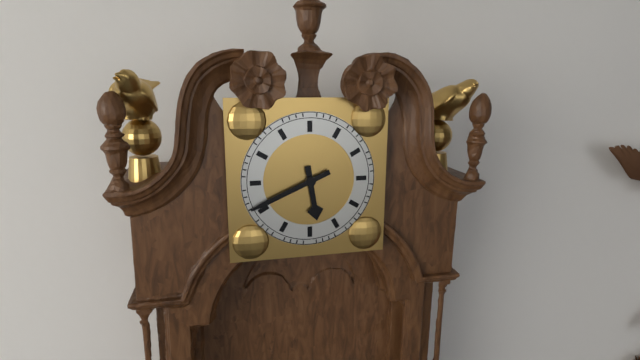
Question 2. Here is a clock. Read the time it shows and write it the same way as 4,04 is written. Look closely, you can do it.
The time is 5,41
